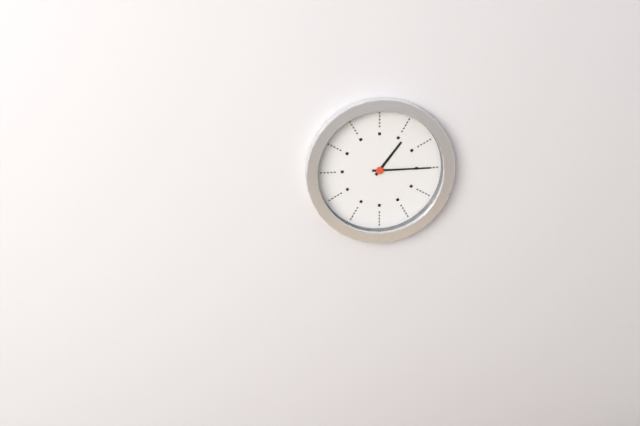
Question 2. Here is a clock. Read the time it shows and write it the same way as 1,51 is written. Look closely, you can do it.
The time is 1,15
